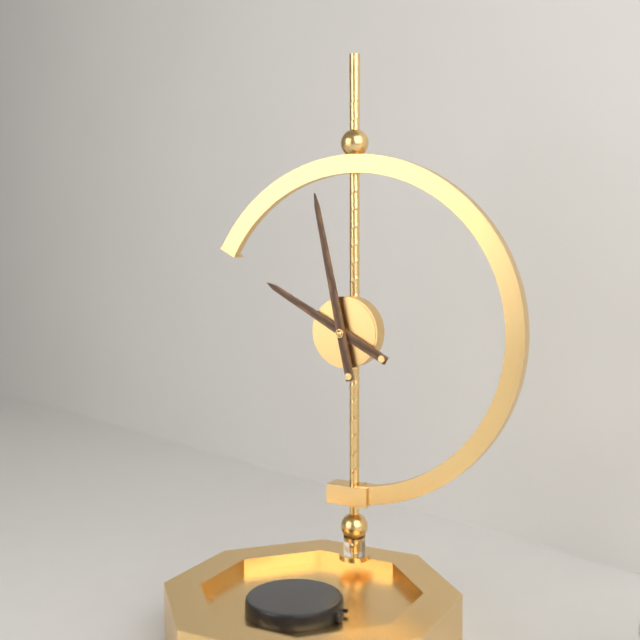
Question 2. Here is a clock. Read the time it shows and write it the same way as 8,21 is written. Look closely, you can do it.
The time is 9,58
